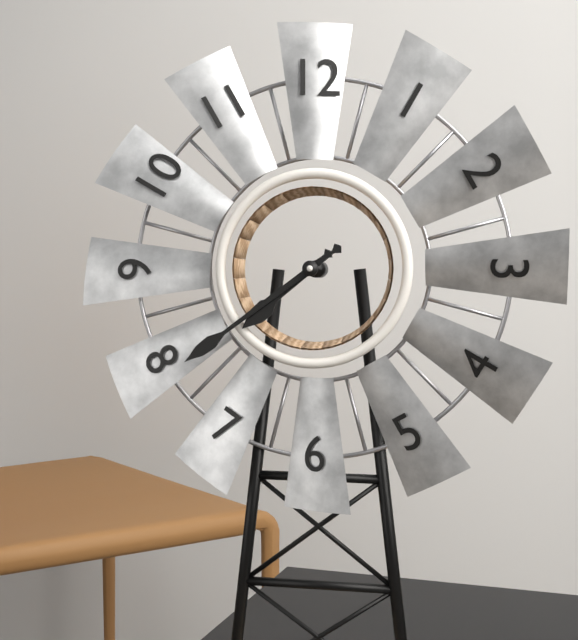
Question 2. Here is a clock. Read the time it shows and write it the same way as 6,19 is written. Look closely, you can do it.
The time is 7,39
